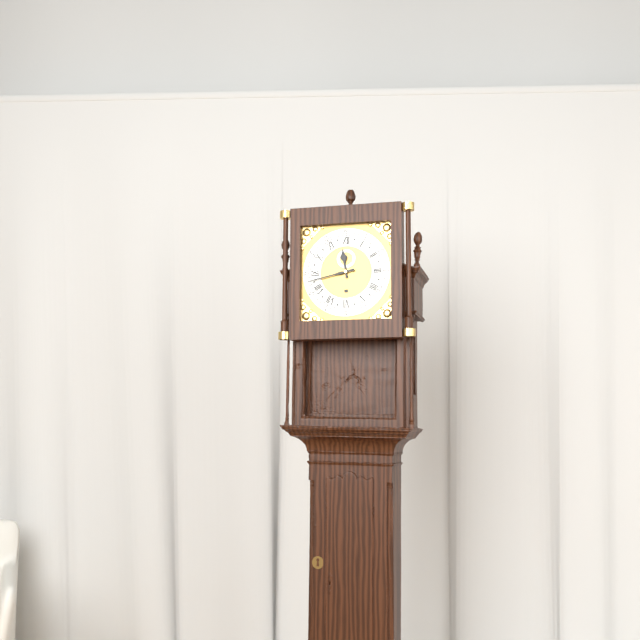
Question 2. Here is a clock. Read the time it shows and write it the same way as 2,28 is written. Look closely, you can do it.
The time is 11,43
